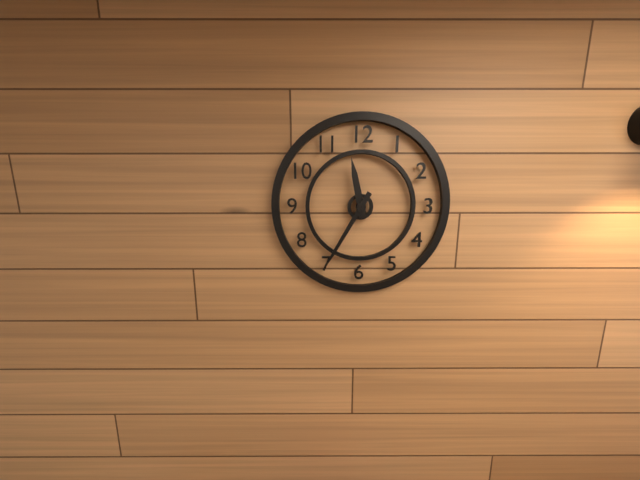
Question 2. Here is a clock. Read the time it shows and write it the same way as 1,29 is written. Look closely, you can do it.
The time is 11,35
